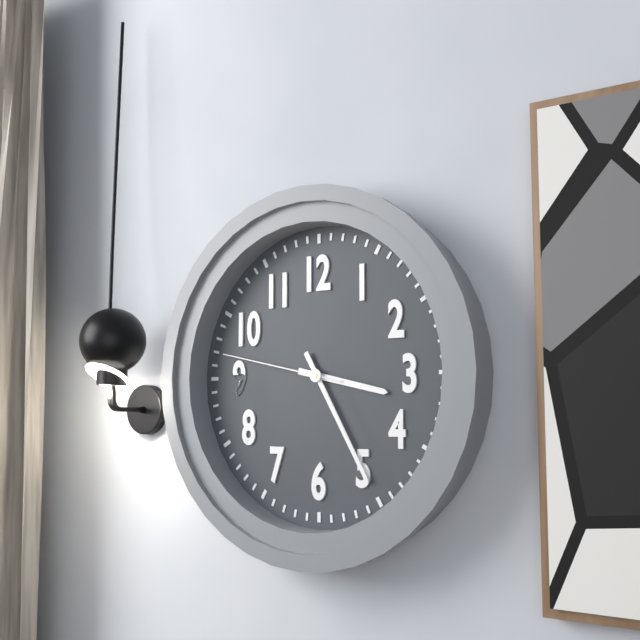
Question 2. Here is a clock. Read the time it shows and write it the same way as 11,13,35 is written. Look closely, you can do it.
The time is 3,25,47
